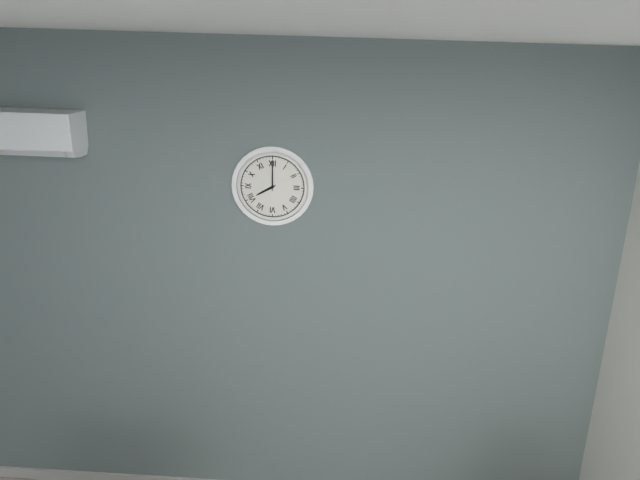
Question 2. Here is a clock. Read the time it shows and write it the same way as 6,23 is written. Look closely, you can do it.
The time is 8,00
